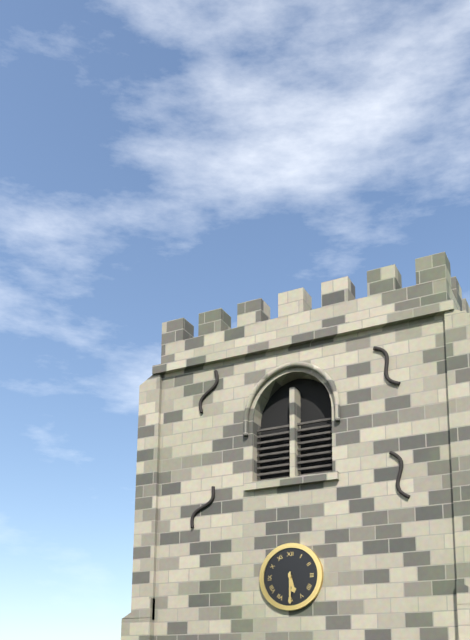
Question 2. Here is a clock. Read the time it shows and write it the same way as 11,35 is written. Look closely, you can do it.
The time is 5,30
